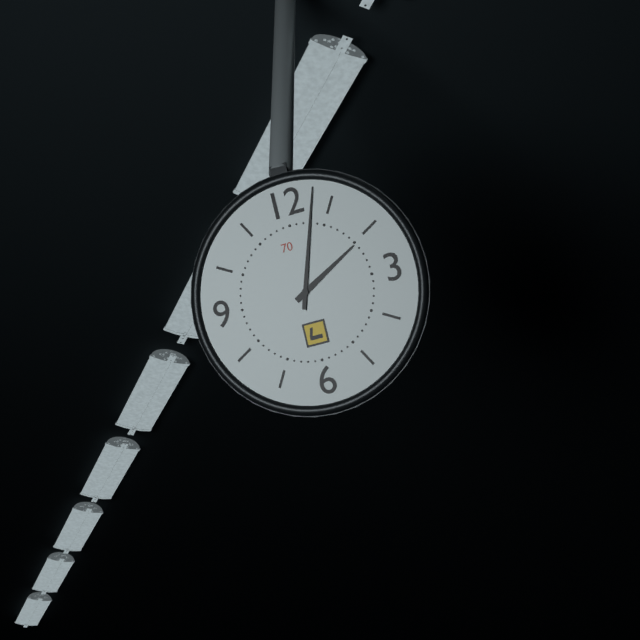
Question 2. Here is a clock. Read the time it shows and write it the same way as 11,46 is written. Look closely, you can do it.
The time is 2,03
